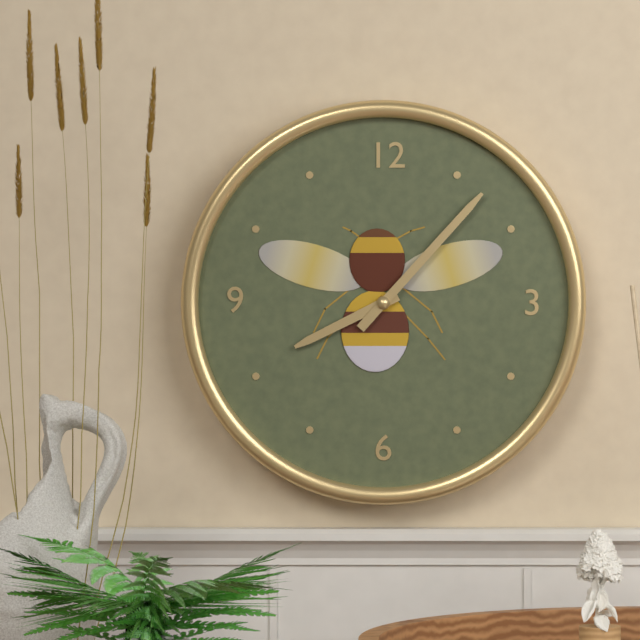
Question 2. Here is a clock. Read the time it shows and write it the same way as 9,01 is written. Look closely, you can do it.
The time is 8,07
